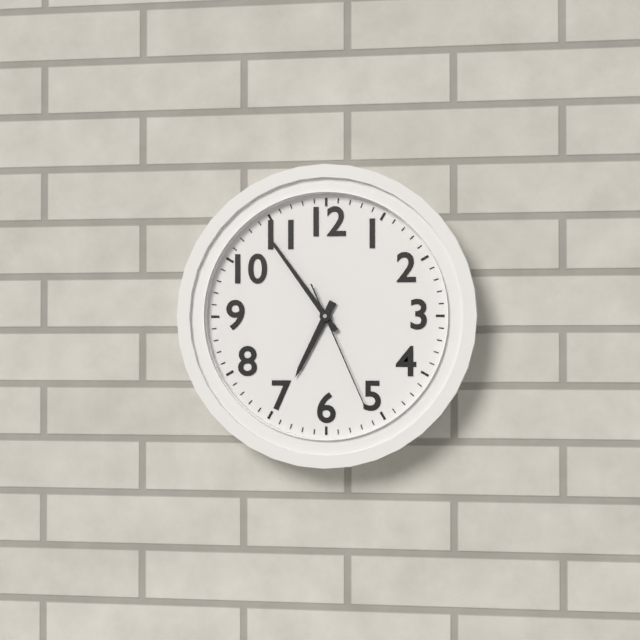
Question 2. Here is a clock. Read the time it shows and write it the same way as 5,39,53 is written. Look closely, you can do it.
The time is 6,54,26
